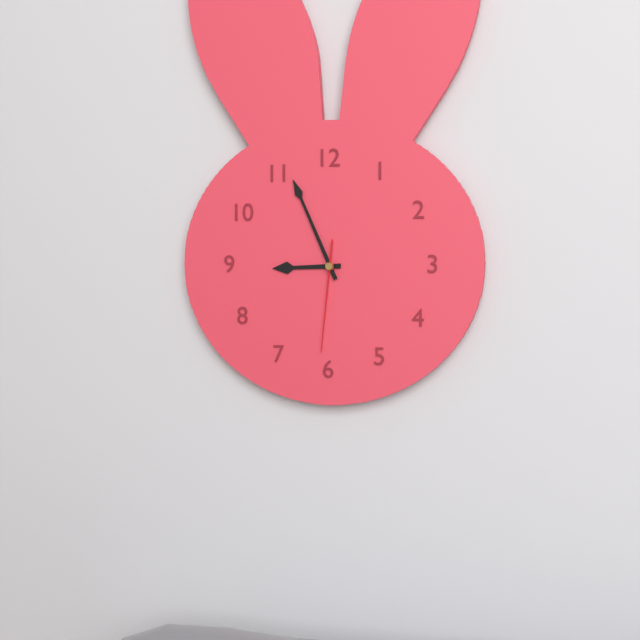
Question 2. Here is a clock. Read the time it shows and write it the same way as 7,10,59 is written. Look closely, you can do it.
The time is 8,56,31
